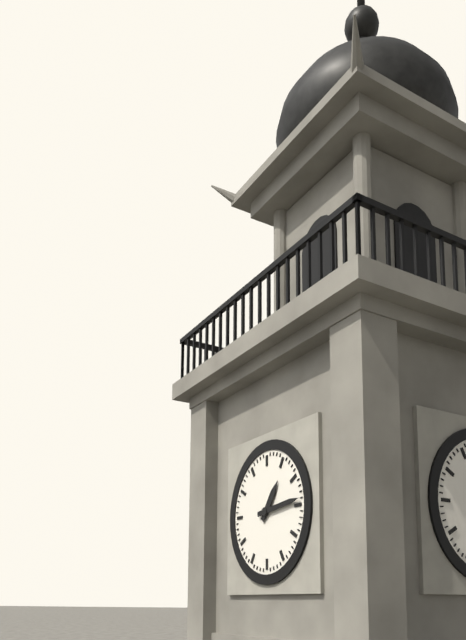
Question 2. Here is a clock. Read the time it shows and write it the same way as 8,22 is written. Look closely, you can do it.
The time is 1,14
